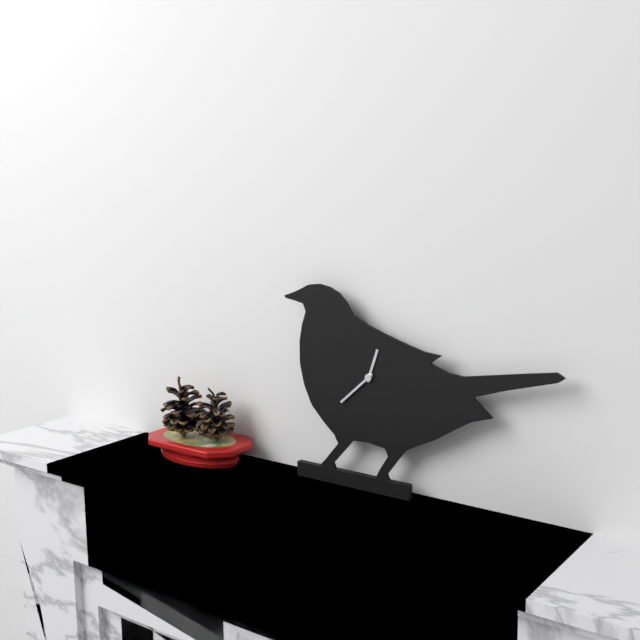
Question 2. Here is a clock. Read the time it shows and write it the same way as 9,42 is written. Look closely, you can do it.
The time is 12,38
